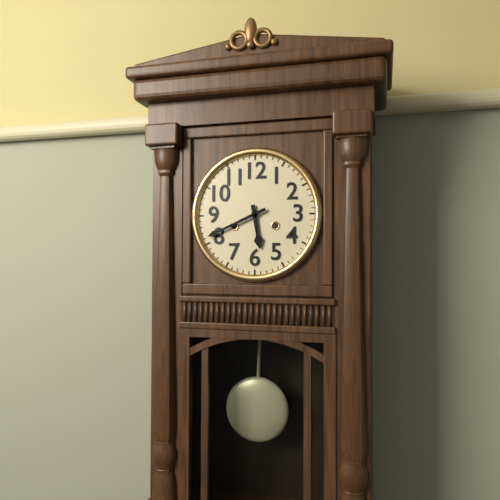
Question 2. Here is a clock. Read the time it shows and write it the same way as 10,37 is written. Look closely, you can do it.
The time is 5,41
